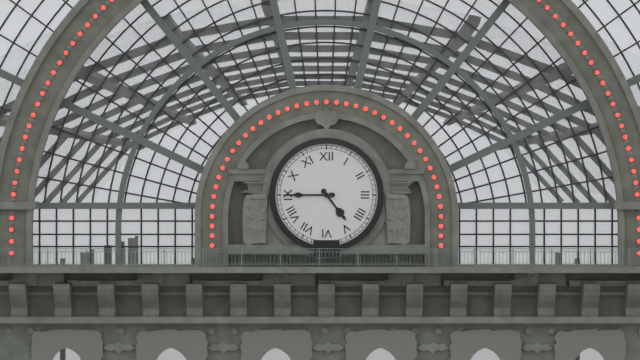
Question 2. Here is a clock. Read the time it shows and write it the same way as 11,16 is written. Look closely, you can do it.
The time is 4,45
